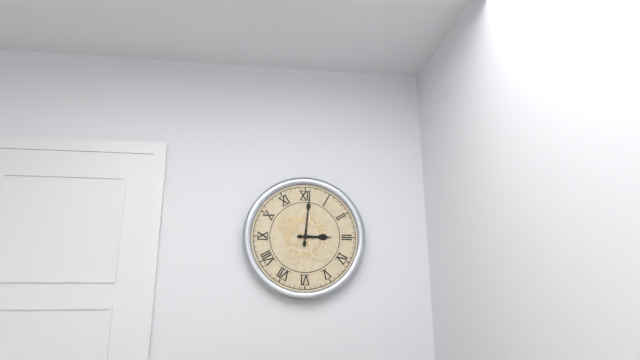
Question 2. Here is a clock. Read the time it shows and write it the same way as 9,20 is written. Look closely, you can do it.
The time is 3,01
